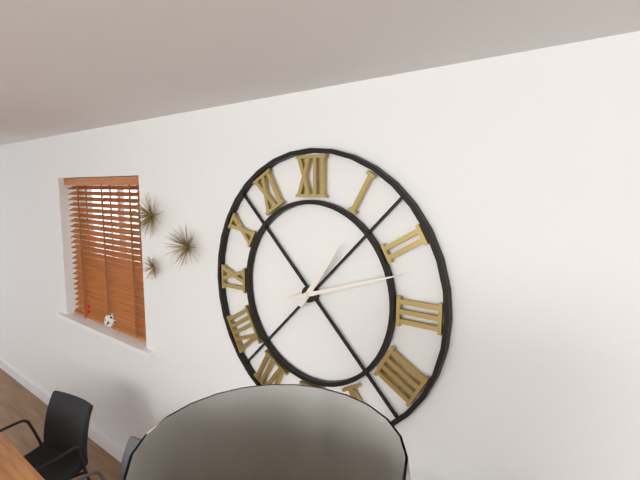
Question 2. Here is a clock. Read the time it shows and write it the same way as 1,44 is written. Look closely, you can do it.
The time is 1,12
